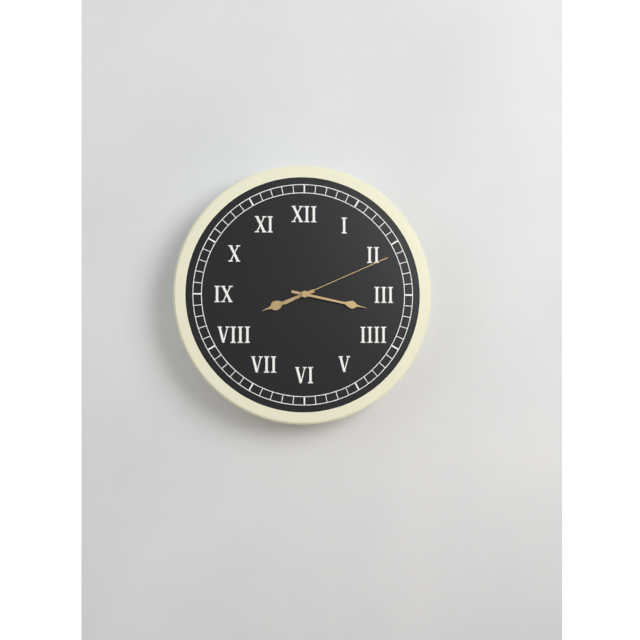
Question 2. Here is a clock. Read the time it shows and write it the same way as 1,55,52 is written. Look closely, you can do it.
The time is 8,17,11
